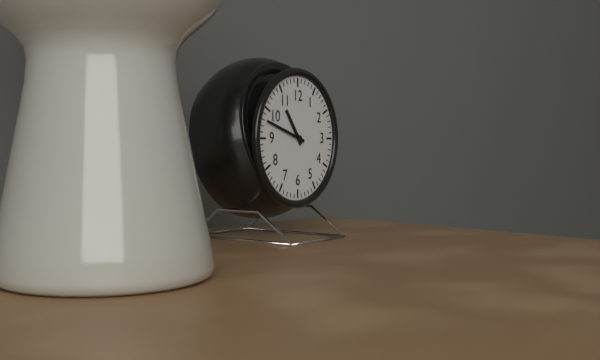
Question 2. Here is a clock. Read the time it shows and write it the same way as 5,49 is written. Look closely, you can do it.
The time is 10,48
